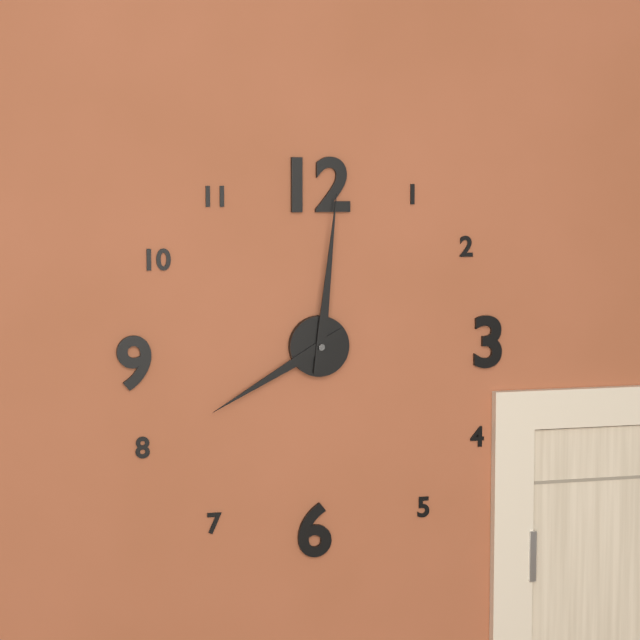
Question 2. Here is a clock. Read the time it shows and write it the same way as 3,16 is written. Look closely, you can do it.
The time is 8,01
